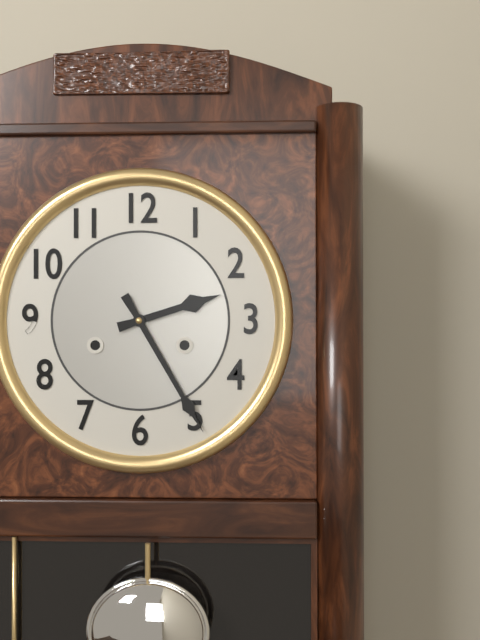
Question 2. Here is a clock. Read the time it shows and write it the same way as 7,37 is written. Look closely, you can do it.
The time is 2,25
